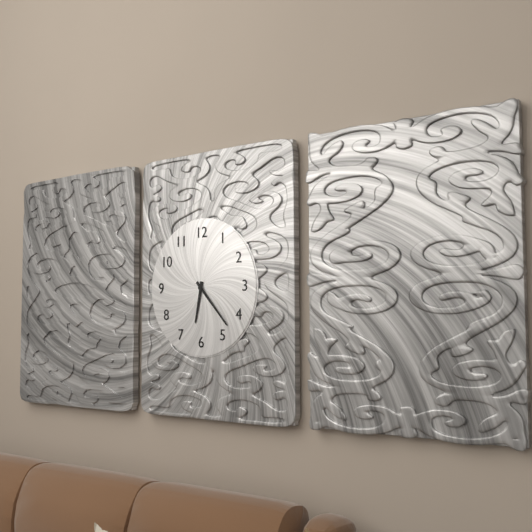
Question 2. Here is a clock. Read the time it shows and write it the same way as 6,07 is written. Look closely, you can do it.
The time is 6,23
